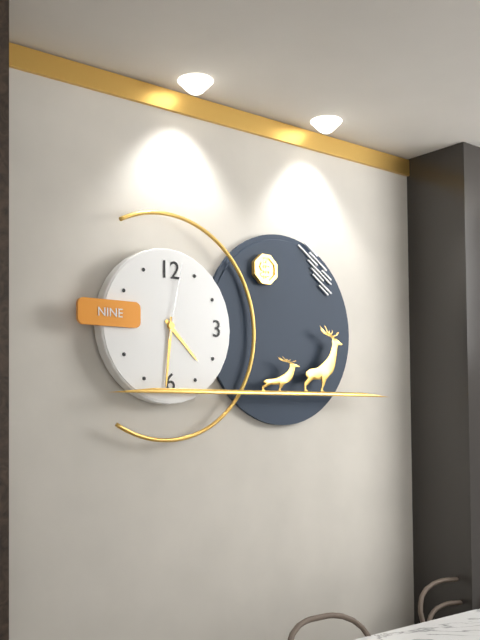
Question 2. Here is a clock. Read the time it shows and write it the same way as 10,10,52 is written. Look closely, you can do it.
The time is 4,31,02
